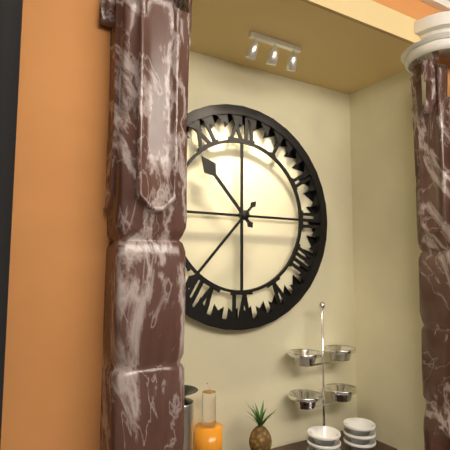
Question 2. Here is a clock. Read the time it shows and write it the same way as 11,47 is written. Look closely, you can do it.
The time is 10,37
